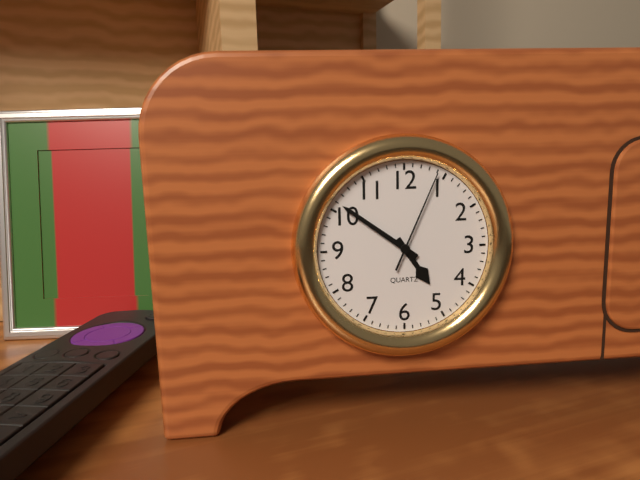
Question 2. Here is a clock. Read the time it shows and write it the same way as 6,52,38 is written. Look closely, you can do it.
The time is 4,51,04
